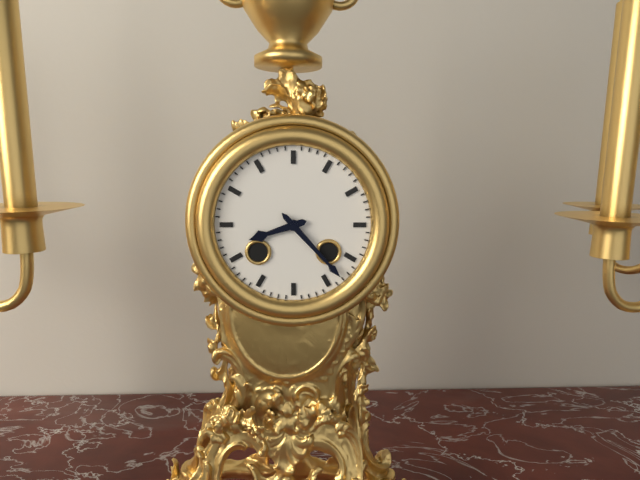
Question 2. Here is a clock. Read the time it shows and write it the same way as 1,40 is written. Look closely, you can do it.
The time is 8,23
